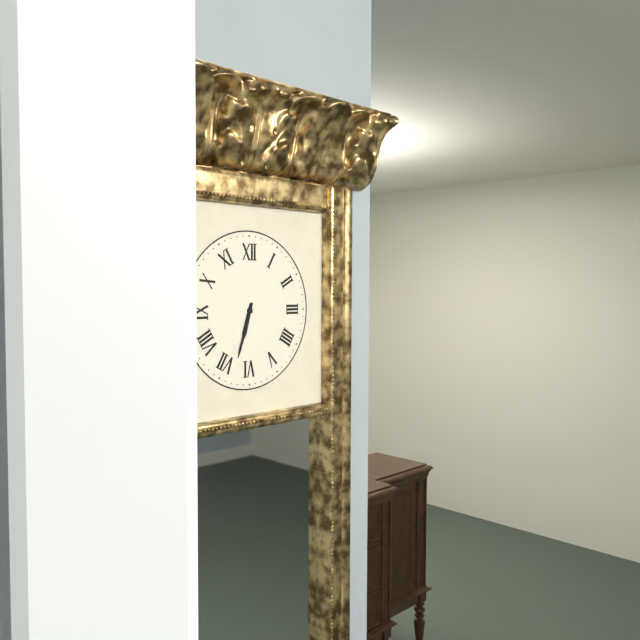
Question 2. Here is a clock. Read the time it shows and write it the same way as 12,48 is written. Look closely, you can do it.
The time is 6,33
